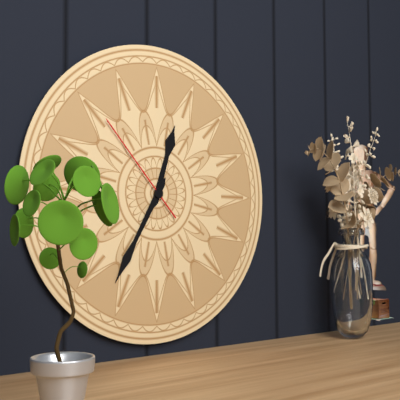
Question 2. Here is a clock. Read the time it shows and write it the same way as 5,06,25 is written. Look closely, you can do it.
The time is 12,35,53
